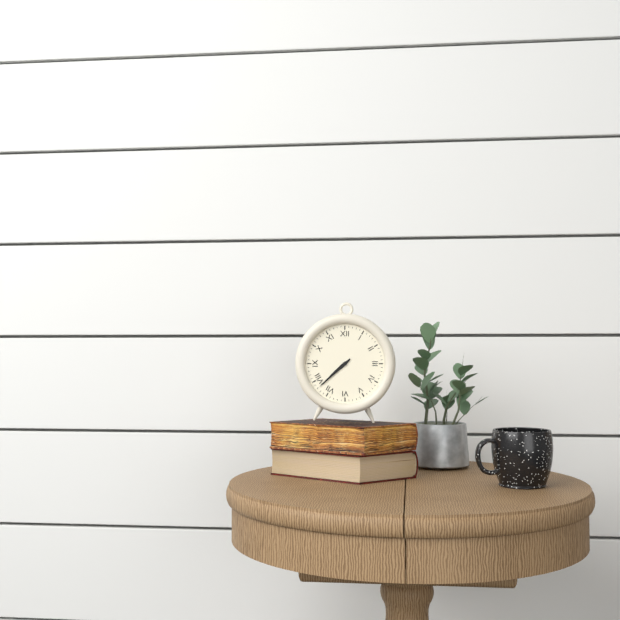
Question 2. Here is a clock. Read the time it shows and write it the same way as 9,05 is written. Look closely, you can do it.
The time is 7,38
